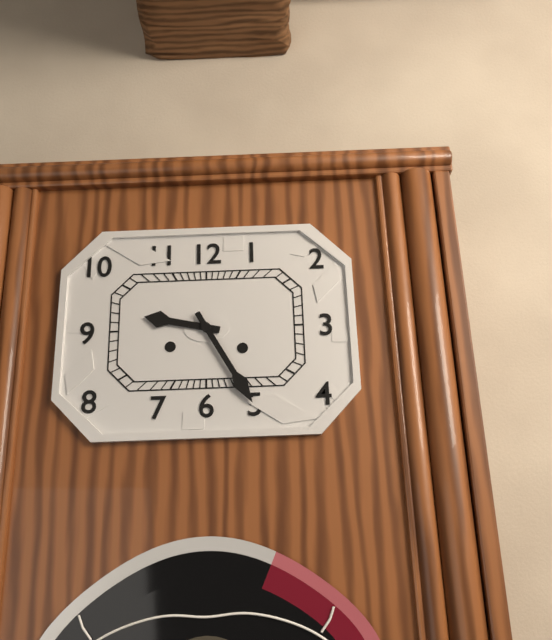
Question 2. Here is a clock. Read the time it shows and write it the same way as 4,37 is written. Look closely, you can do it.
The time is 9,25
